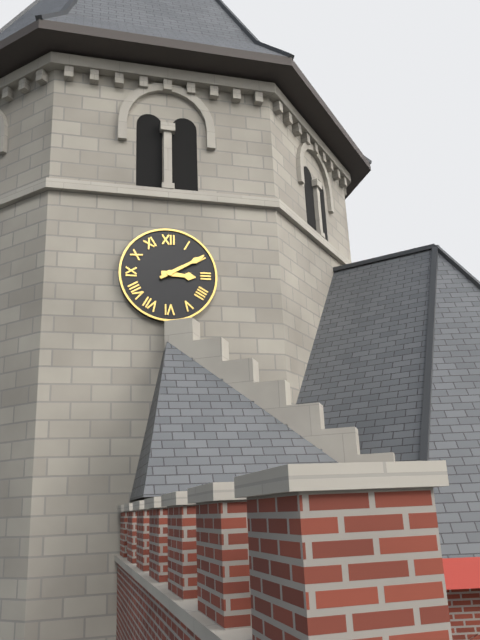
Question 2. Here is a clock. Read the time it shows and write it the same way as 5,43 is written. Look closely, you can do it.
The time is 3,10
